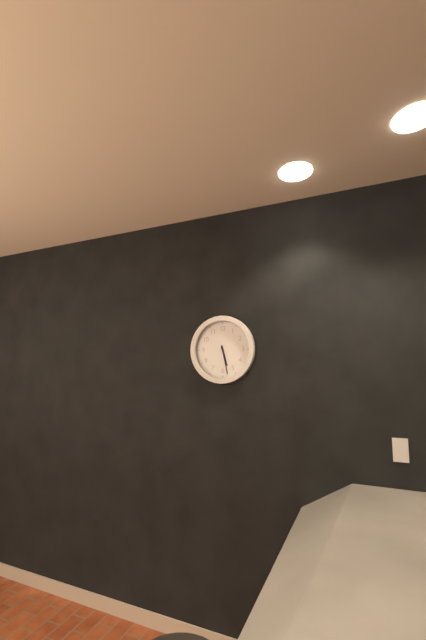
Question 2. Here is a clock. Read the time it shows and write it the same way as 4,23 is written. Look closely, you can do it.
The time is 5,28
